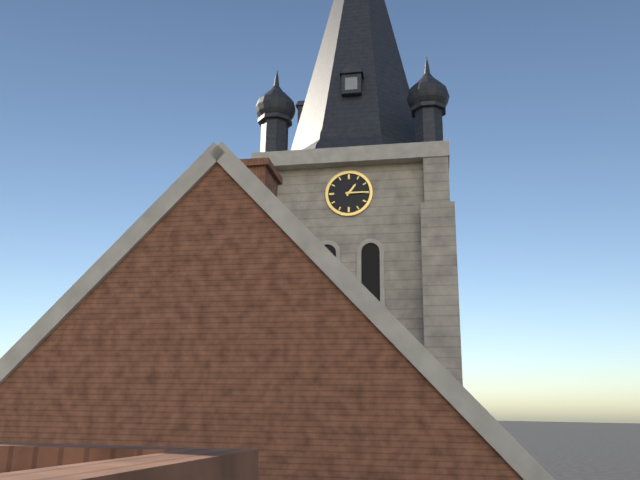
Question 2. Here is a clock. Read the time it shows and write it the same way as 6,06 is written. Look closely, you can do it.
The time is 1,15
